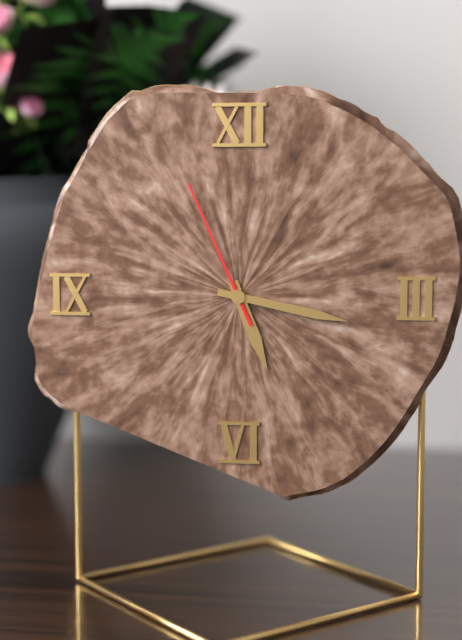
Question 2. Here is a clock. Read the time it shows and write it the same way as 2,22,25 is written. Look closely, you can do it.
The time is 5,17,56
